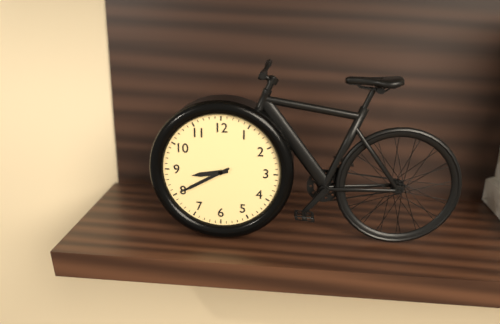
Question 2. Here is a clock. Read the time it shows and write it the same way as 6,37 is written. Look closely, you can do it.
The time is 8,40
